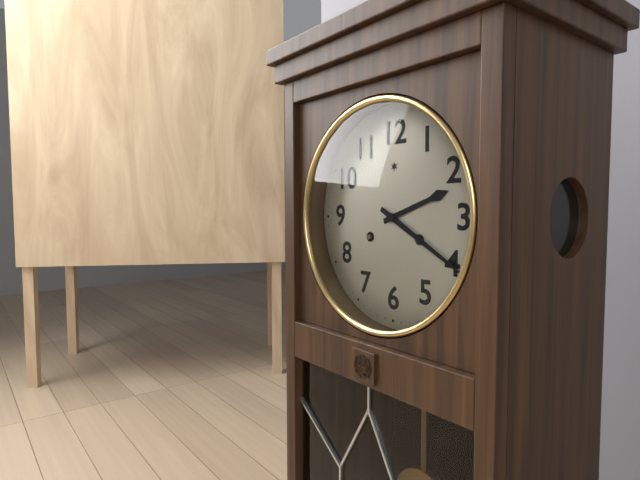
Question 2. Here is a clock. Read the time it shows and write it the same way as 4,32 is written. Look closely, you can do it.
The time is 2,20
